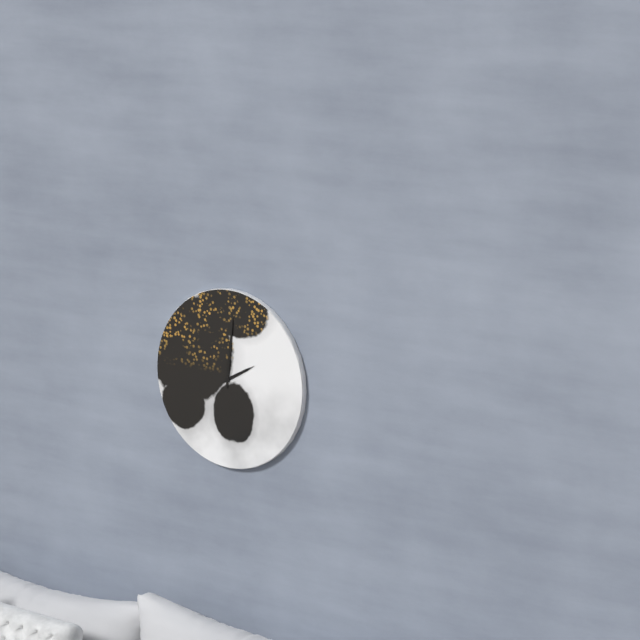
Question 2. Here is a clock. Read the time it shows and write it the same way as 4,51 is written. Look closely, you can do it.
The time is 2,01
